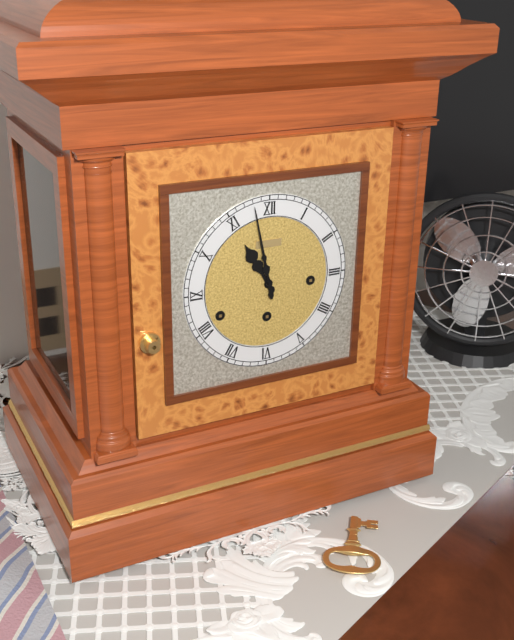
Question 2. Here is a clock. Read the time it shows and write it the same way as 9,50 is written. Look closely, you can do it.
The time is 10,58
